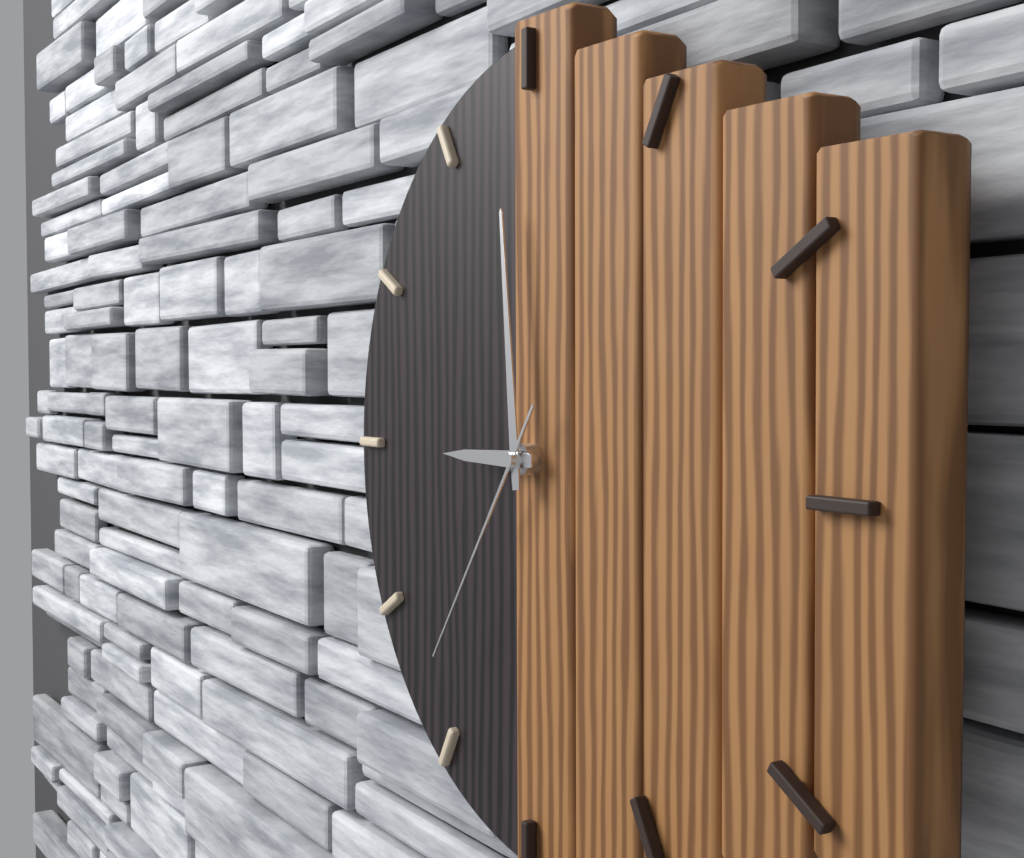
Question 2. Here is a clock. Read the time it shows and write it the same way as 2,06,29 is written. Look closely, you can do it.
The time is 8,59,36
